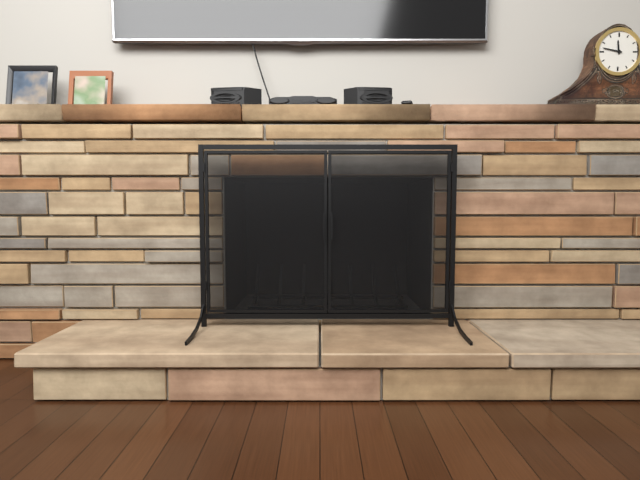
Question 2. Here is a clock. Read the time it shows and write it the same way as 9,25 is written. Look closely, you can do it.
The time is 11,47
